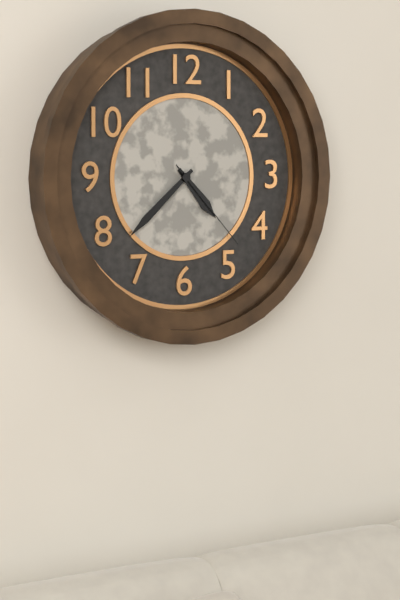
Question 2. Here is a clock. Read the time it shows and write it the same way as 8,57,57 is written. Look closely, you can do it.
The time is 4,38,23
